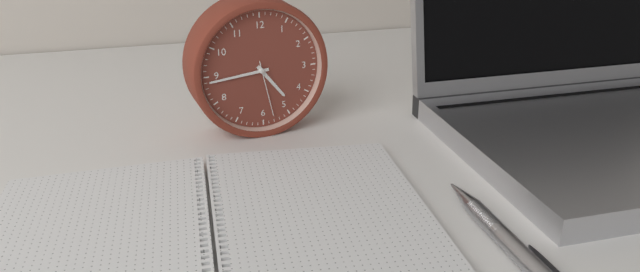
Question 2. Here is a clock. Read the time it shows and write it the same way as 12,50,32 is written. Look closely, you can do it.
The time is 4,44,28
